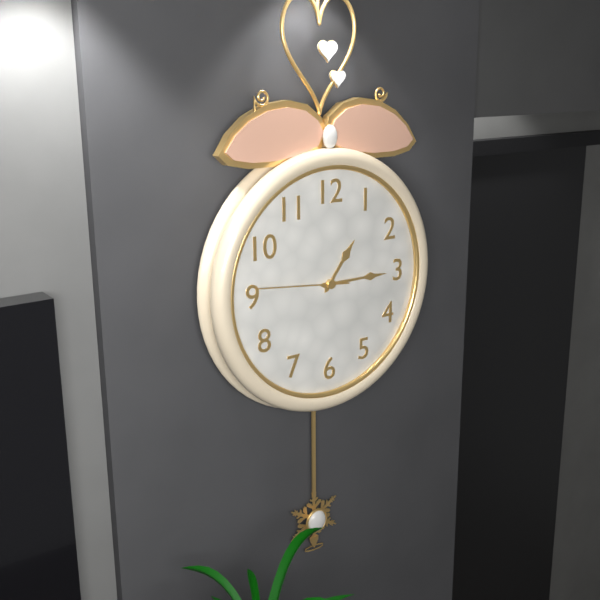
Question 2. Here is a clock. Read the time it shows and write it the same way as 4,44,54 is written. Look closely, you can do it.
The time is 1,15,46
